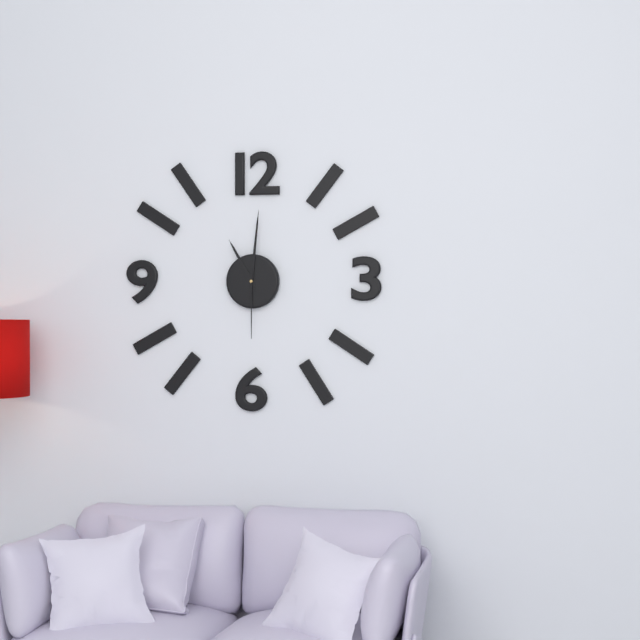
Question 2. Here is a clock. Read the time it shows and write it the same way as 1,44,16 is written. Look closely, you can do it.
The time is 11,01,30
